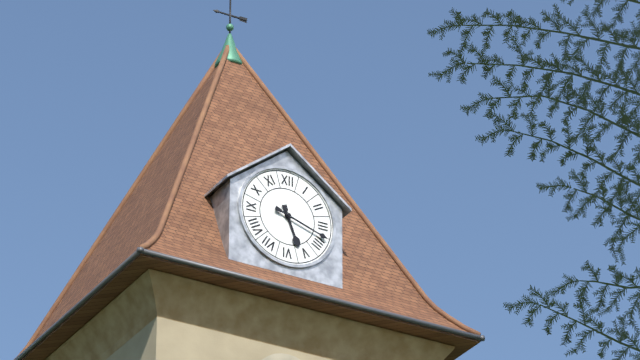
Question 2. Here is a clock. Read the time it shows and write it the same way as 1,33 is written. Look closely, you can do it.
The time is 5,18
